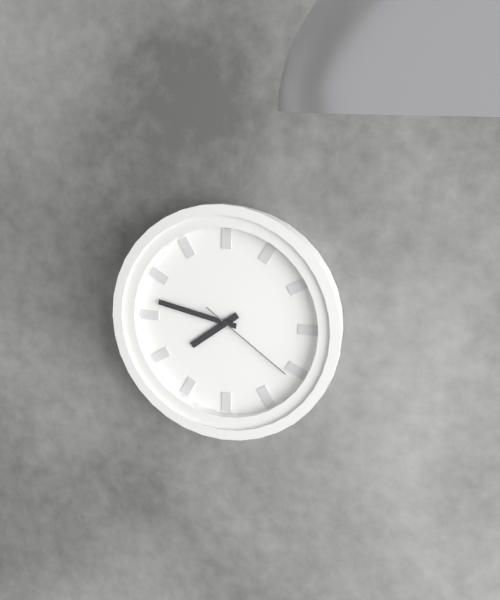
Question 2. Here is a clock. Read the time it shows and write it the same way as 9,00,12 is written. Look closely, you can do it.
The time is 7,47,21
